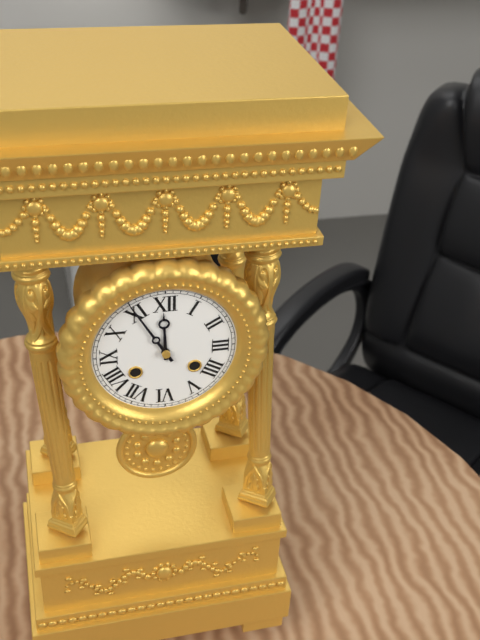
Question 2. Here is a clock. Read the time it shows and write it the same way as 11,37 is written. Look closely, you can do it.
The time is 11,55
